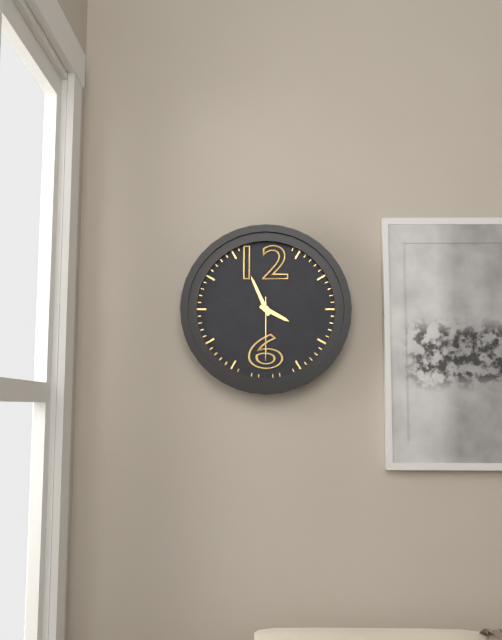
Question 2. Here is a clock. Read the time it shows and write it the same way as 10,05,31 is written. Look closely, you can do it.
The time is 3,56,30
